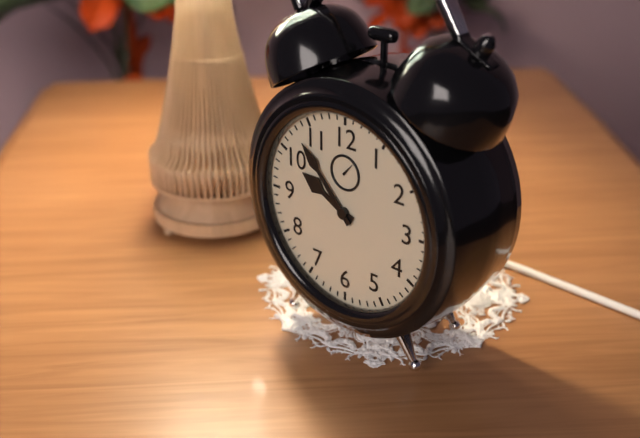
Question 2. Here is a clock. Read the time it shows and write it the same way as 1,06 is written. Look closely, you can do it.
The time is 9,53
